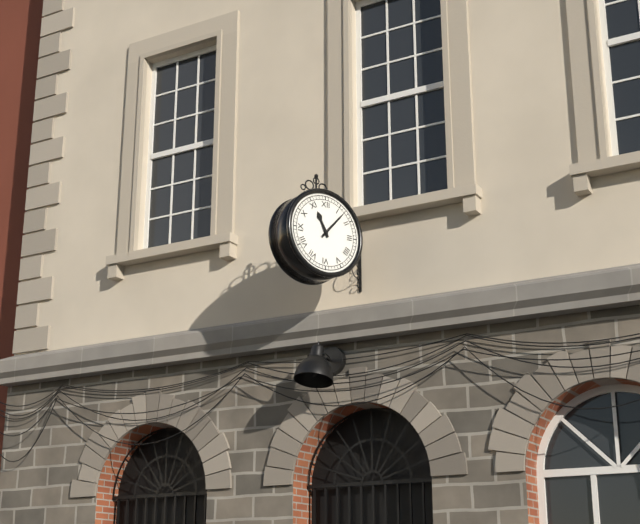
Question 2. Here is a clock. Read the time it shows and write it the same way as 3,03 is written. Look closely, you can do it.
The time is 11,07
